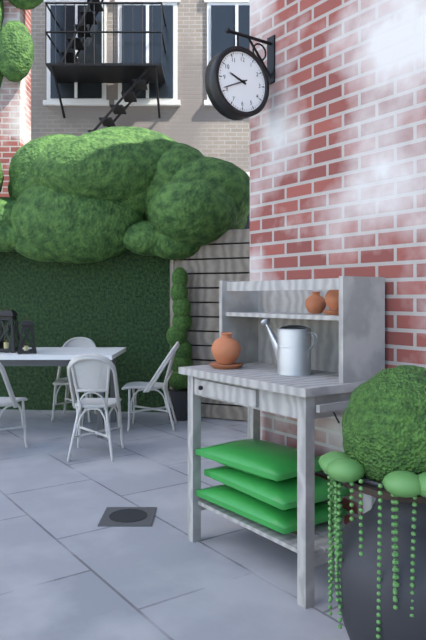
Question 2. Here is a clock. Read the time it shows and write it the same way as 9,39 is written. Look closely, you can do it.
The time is 9,41
